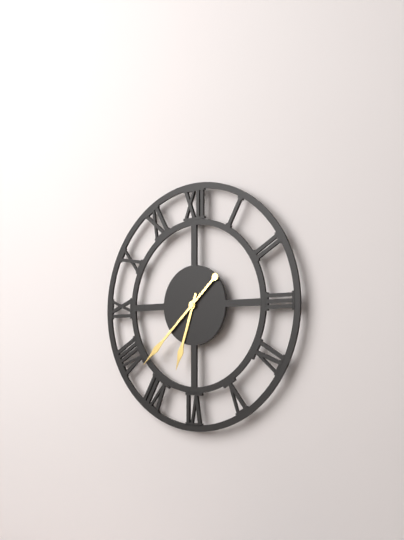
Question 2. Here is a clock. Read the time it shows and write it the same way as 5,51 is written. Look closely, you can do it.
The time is 6,38
